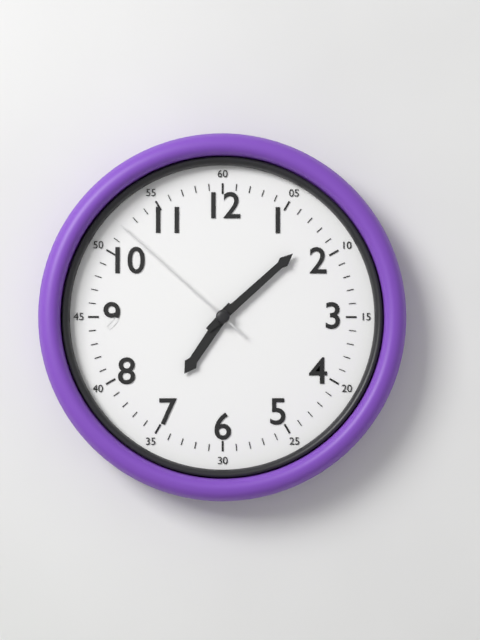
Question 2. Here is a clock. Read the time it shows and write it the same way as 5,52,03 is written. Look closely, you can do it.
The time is 7,08,52
